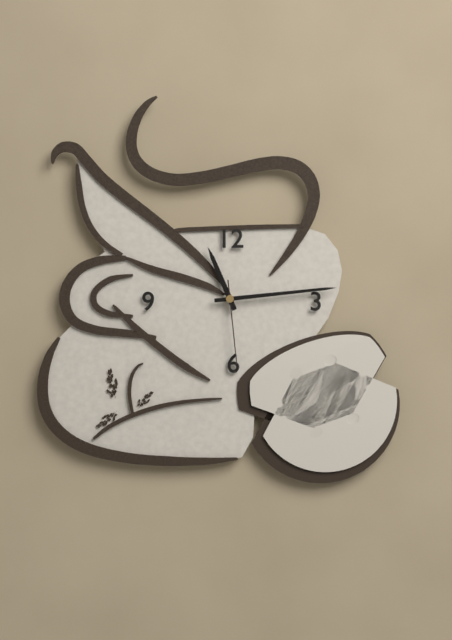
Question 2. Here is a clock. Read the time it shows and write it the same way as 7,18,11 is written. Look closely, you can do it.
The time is 11,14,29
